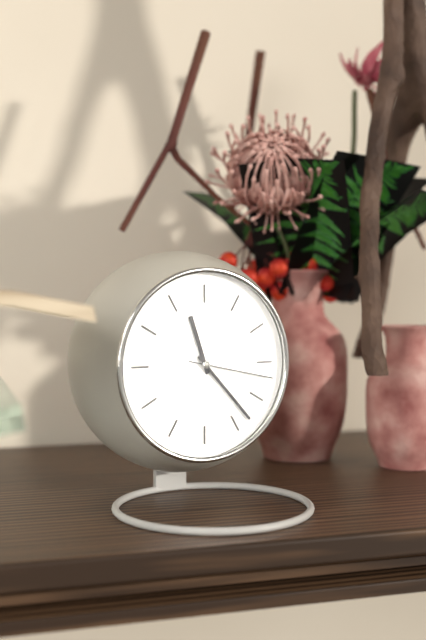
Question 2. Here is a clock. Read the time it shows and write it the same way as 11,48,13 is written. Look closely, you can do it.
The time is 11,23,17
